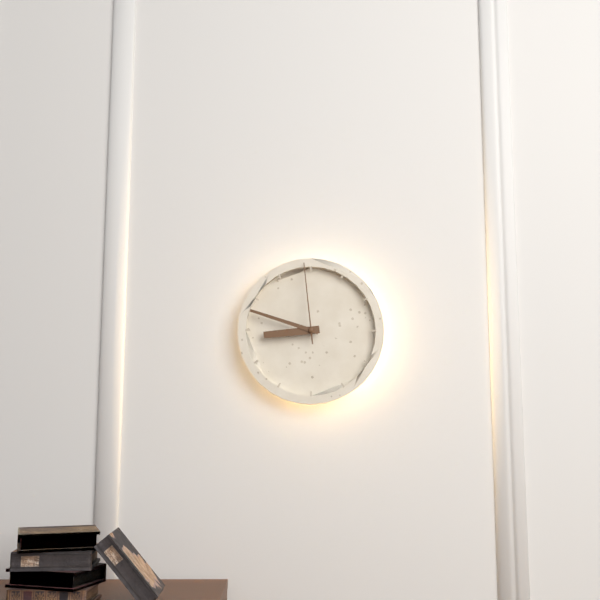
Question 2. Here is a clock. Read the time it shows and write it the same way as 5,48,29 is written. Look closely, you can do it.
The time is 8,48,59
